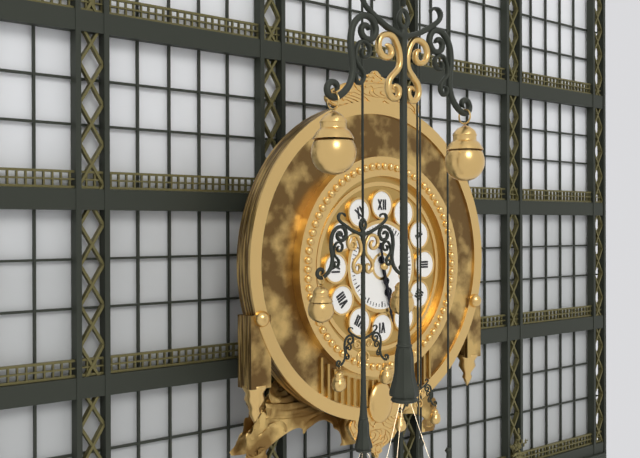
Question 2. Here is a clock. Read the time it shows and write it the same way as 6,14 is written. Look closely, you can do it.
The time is 5,28
